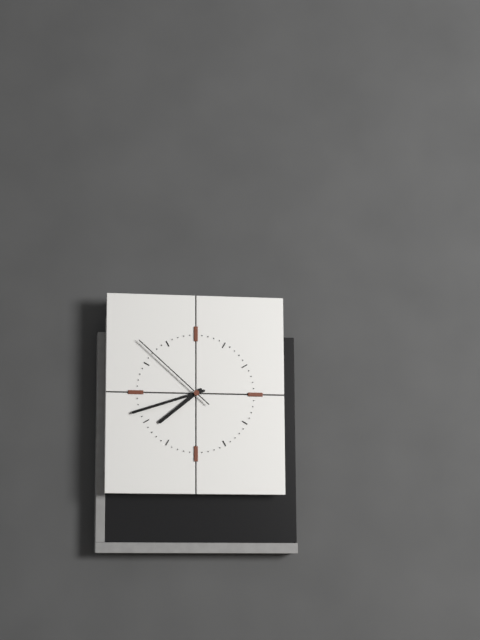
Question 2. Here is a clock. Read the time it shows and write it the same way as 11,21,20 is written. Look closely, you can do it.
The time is 7,42,52
